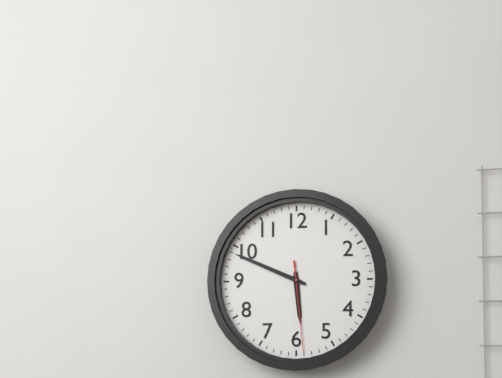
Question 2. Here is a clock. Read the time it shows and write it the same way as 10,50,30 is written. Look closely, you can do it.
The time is 5,49,29
